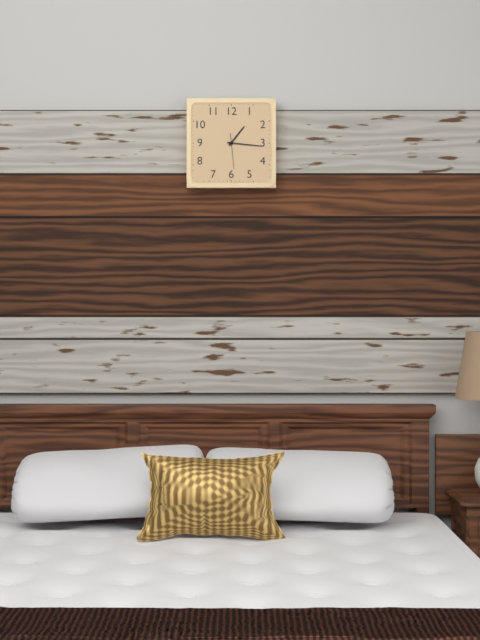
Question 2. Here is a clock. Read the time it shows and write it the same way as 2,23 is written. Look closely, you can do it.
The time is 1,16
